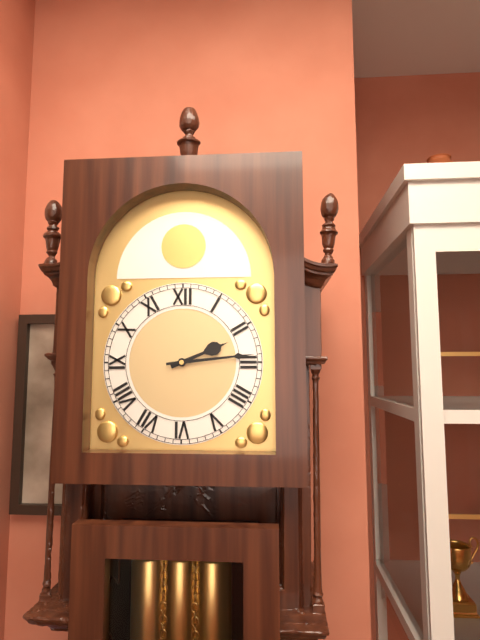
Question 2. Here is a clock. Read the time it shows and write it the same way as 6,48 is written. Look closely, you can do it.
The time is 2,14
